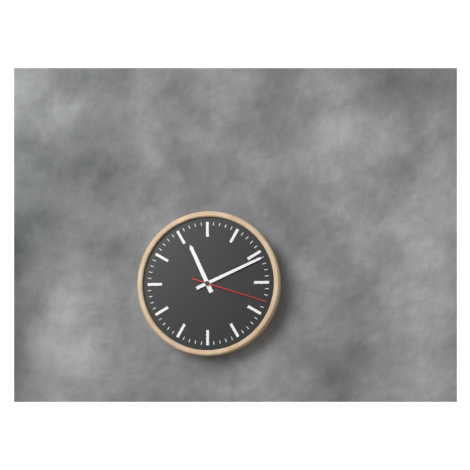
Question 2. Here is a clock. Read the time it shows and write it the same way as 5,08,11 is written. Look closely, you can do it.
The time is 11,11,18
